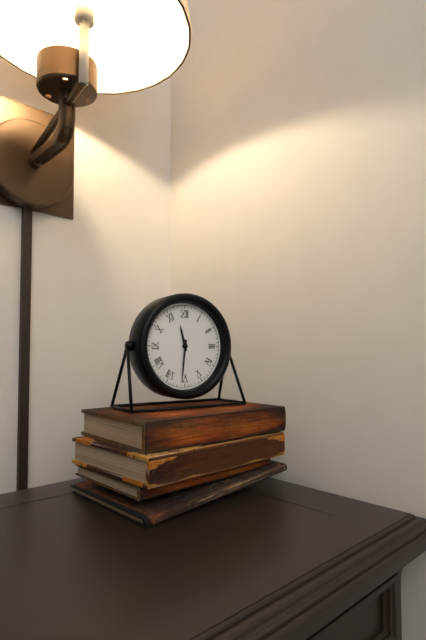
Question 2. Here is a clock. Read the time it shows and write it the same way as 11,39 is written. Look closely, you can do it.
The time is 11,31
